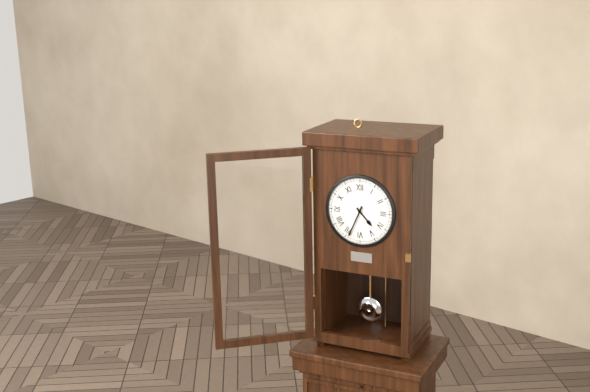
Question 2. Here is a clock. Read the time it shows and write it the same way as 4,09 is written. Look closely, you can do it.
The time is 4,34
